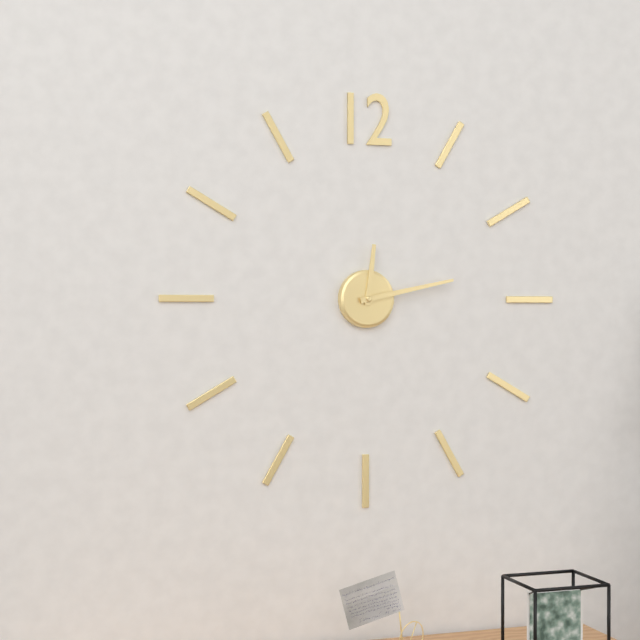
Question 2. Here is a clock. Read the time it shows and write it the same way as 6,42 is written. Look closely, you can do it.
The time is 12,13
